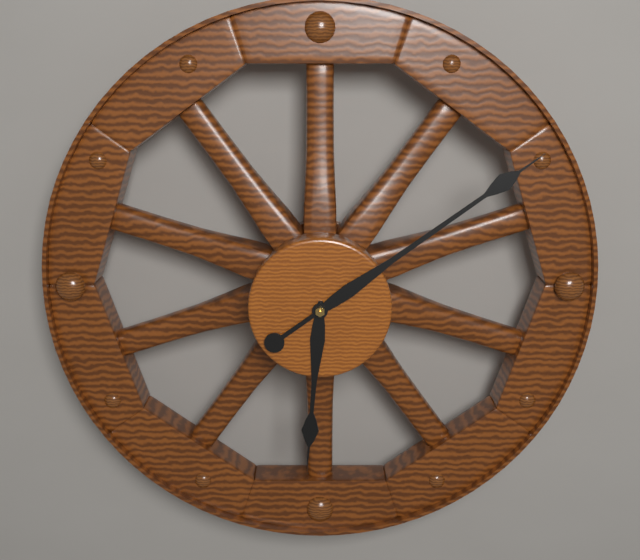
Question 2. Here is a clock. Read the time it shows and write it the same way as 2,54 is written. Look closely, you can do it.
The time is 6,09
